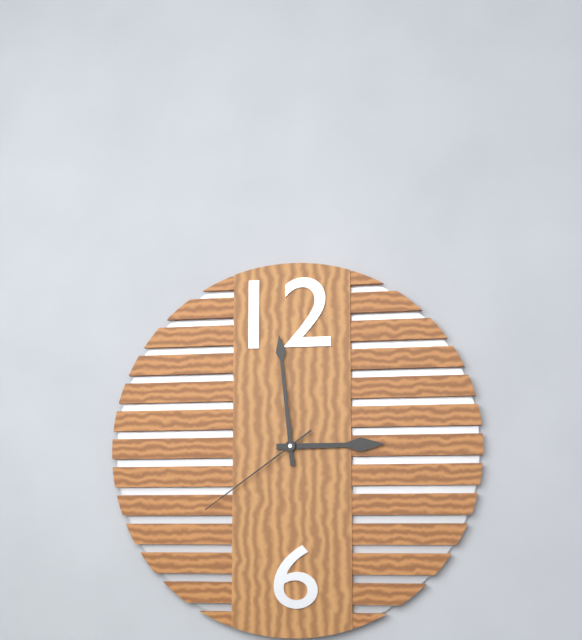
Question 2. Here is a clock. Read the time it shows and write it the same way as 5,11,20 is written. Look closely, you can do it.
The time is 2,59,39
